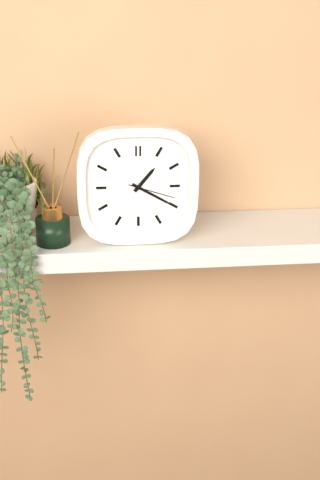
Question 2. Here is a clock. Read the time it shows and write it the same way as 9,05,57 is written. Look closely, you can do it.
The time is 1,20,18
